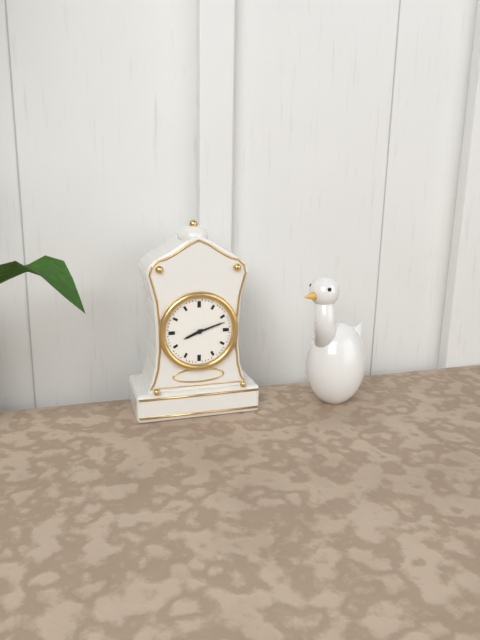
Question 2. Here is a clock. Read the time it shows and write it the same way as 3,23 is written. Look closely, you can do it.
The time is 8,12
